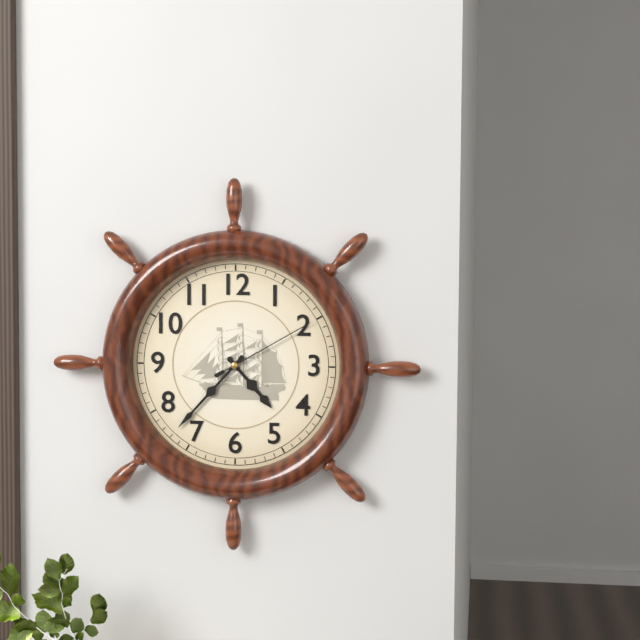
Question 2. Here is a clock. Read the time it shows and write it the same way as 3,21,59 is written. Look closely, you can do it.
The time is 4,37,10
